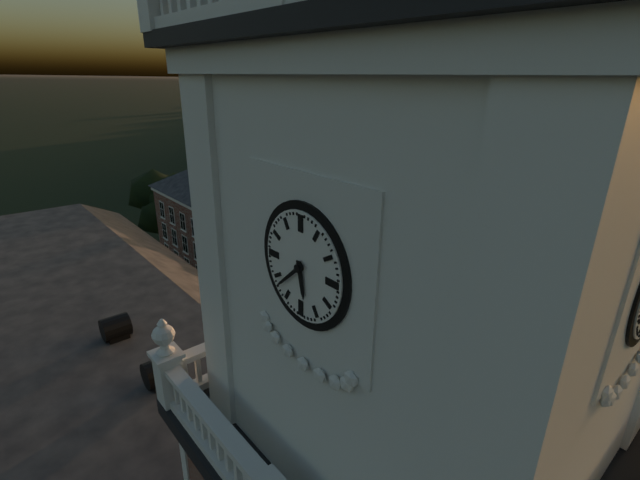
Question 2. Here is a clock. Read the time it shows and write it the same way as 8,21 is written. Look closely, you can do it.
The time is 5,38
